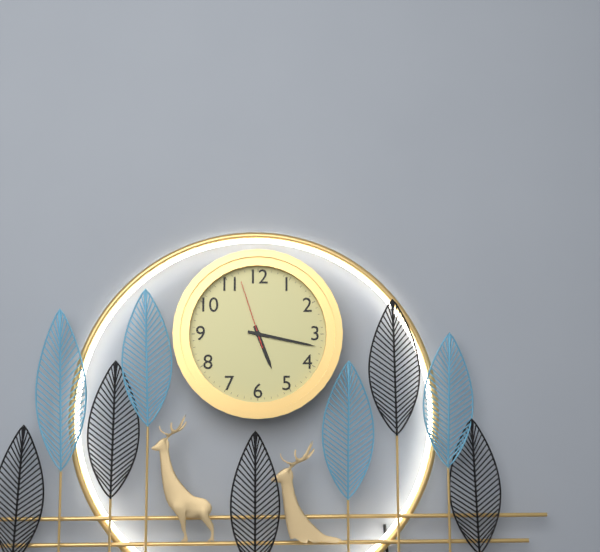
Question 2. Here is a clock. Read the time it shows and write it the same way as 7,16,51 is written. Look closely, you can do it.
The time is 5,17,57
